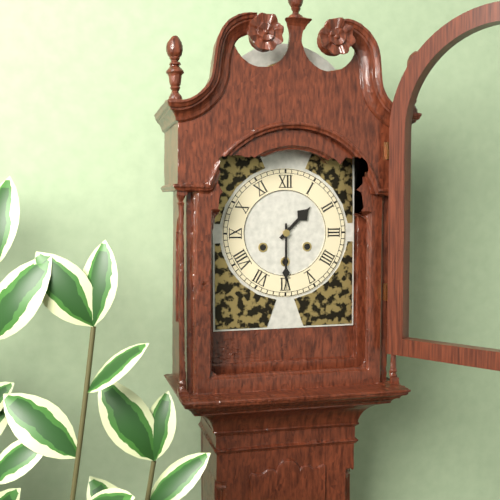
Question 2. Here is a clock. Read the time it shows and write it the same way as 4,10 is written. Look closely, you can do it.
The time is 1,30
